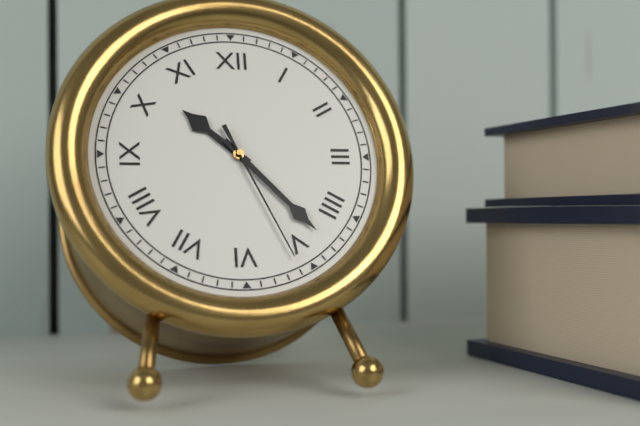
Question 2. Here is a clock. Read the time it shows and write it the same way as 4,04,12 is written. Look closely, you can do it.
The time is 10,23,26
